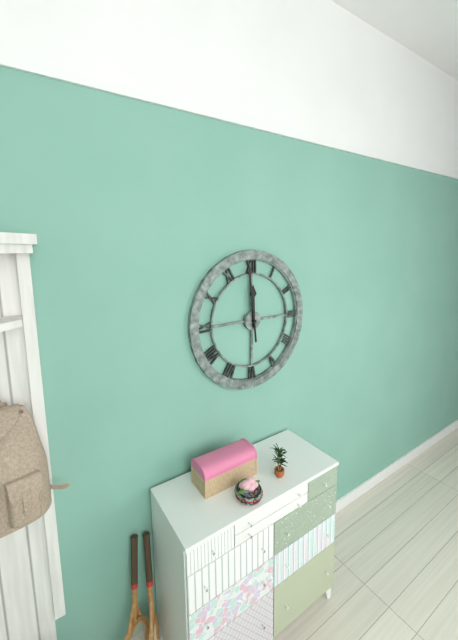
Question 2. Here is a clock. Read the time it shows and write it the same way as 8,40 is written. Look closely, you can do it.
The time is 11,59
